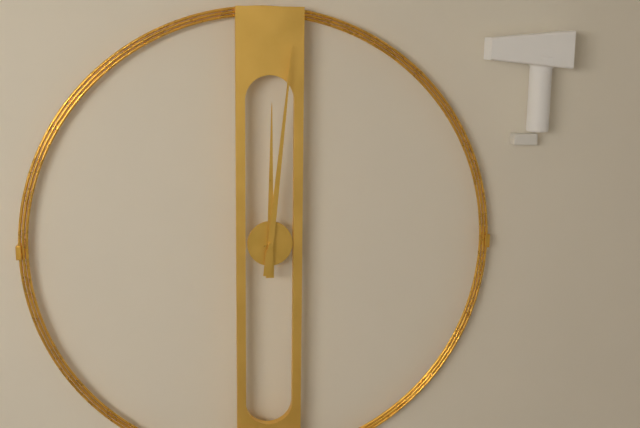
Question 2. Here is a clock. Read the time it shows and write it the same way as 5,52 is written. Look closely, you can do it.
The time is 12,01
